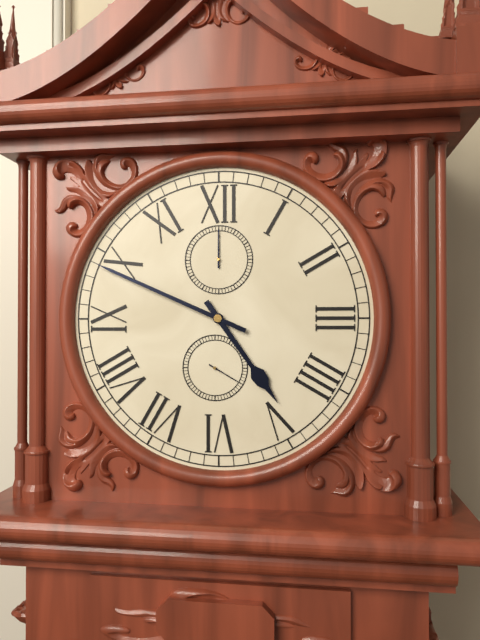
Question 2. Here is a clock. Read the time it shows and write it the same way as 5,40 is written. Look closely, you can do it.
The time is 4,49
